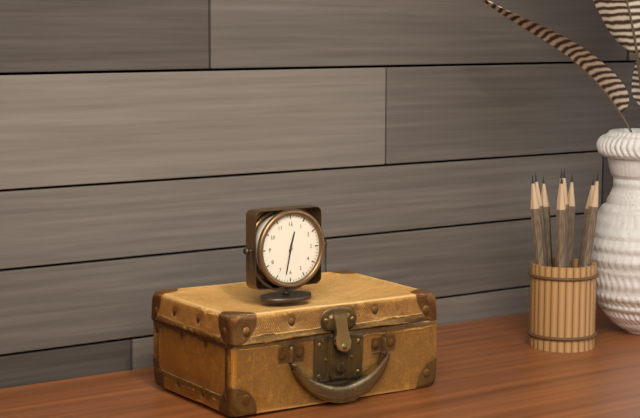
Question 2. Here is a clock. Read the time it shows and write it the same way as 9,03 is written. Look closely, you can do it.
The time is 12,32
